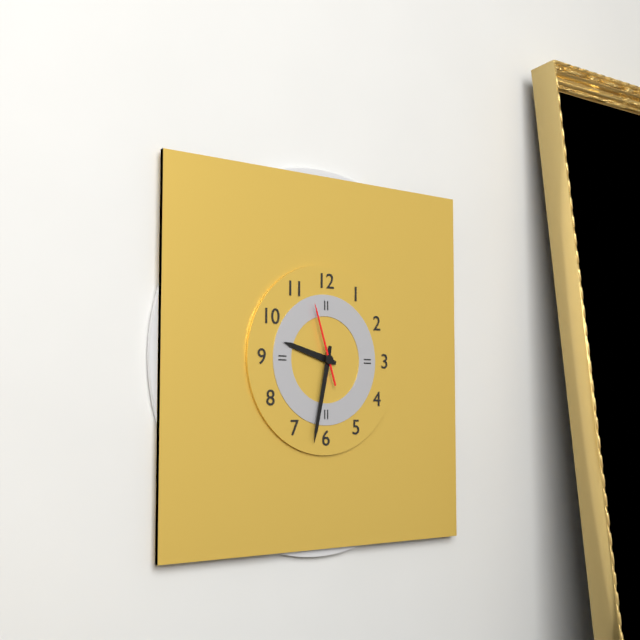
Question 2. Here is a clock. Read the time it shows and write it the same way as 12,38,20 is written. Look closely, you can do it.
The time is 9,32,57
